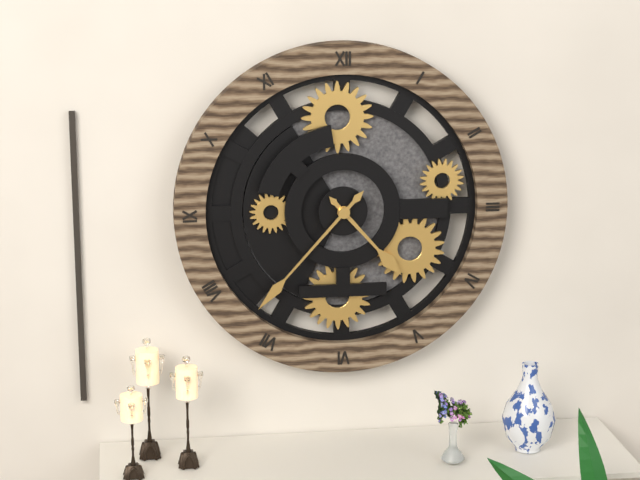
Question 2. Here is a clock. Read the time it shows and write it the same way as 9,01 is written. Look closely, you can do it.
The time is 4,37
